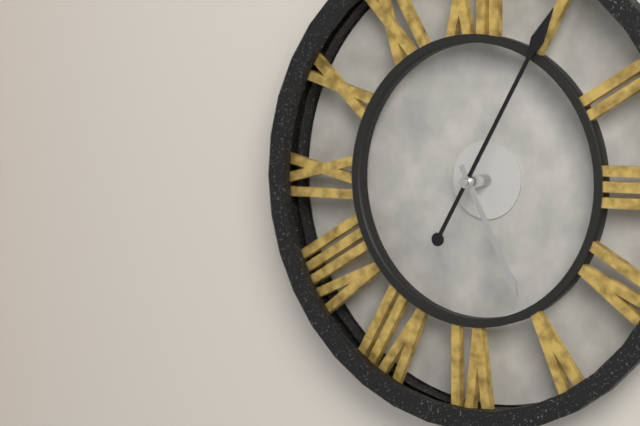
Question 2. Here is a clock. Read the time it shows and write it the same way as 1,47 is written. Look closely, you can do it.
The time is 5,05
